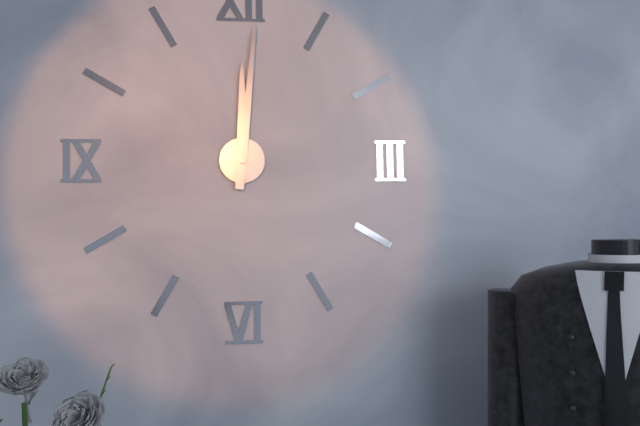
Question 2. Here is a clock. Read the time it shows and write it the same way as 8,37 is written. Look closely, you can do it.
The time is 12,01
